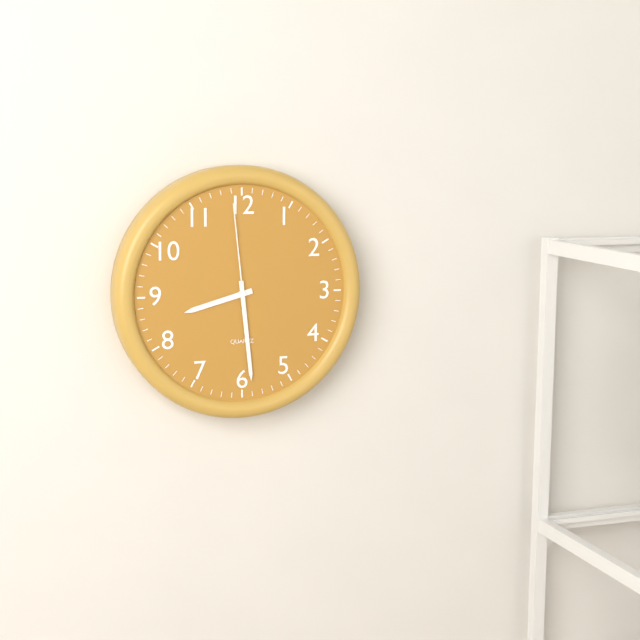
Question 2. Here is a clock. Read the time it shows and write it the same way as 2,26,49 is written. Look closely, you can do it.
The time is 8,29,59
